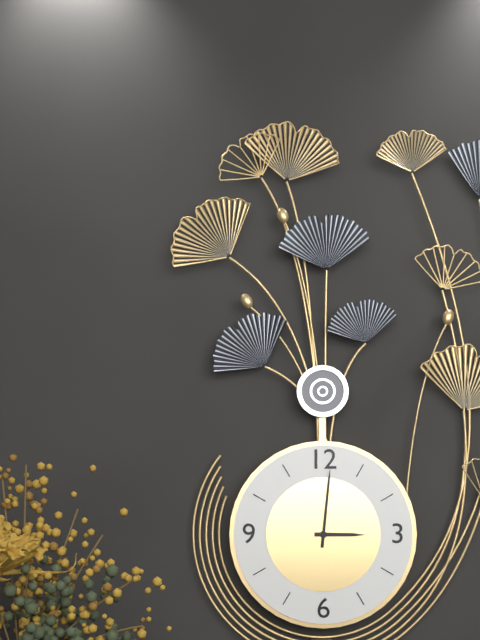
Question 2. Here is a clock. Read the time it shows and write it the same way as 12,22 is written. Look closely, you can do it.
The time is 3,01
